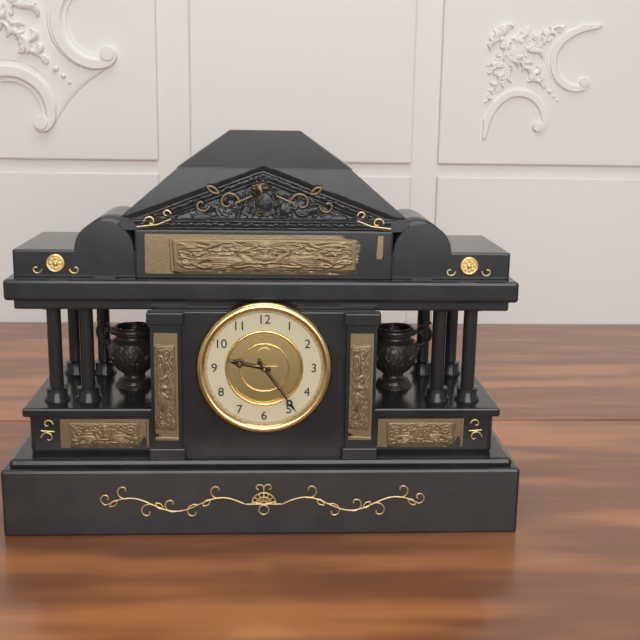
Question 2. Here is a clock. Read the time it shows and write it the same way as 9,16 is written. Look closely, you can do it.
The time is 9,24
